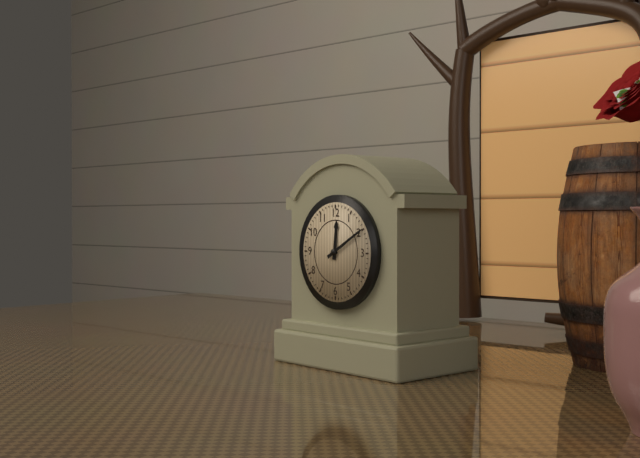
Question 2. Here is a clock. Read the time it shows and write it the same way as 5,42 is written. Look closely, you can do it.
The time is 12,10
